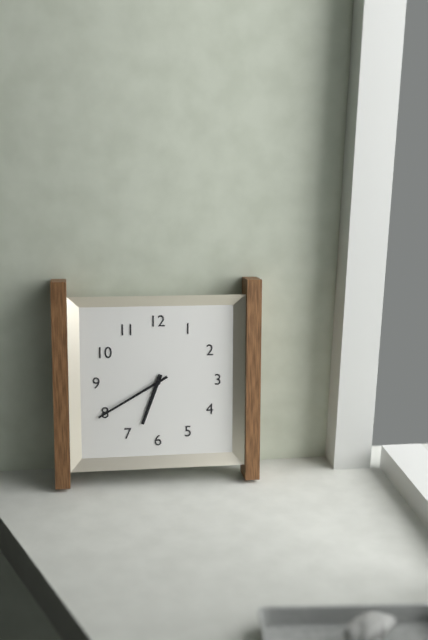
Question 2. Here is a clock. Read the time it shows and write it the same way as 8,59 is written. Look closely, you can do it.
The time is 6,40
